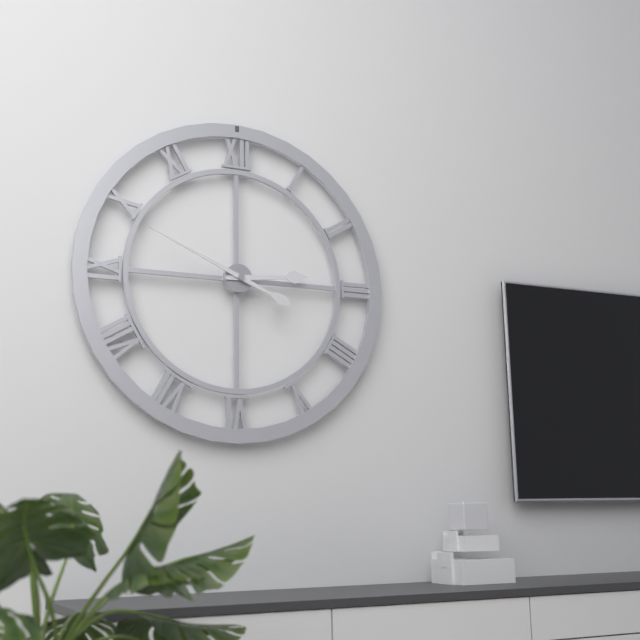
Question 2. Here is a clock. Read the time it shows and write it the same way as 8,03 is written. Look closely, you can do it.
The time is 2,49
